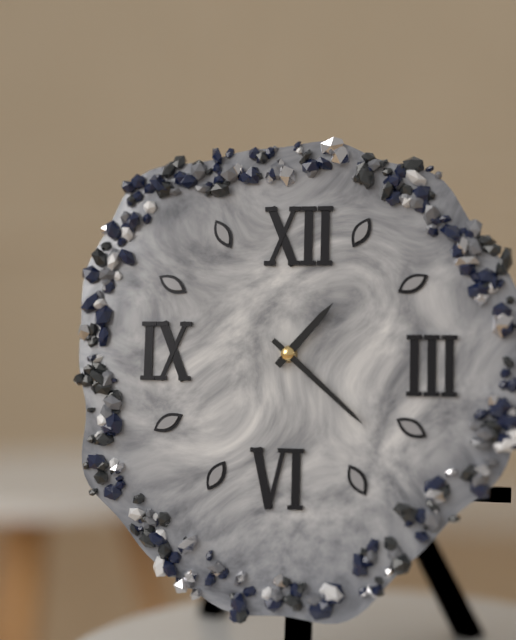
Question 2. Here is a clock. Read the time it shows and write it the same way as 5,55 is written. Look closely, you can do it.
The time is 1,22
